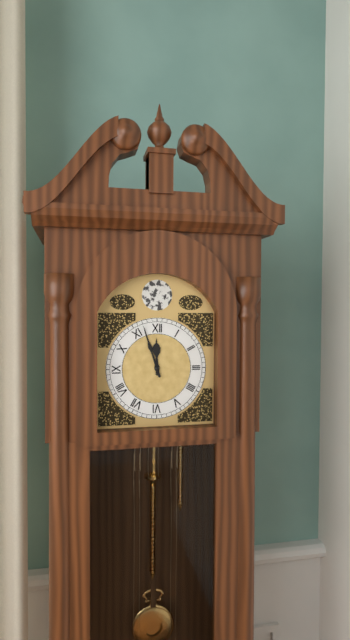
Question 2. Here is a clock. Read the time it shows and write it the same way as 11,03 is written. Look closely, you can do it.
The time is 11,57
